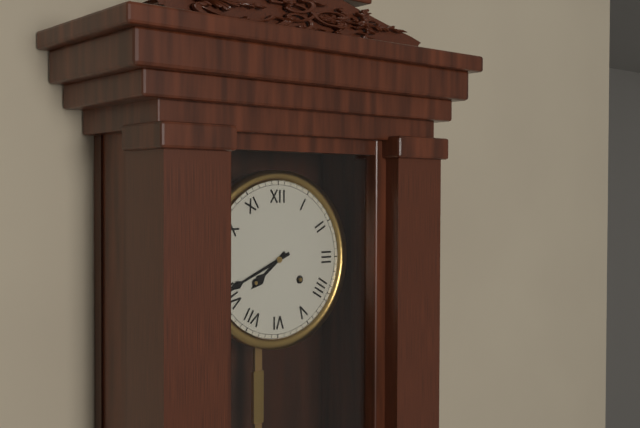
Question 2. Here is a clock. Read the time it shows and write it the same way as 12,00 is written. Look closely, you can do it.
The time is 7,41
